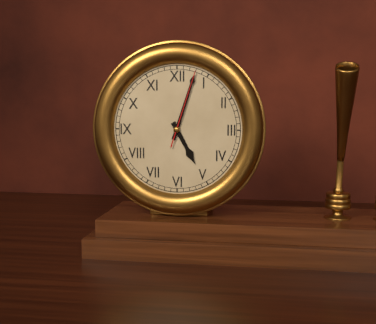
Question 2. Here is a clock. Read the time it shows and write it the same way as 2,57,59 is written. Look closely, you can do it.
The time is 5,03,03
